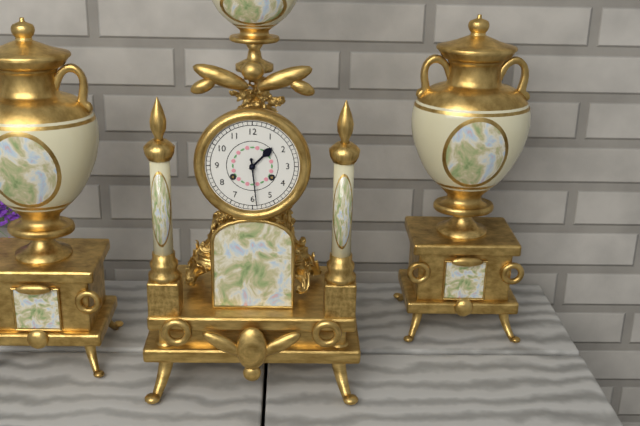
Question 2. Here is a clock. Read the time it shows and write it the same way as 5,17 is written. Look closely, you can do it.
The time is 1,29
